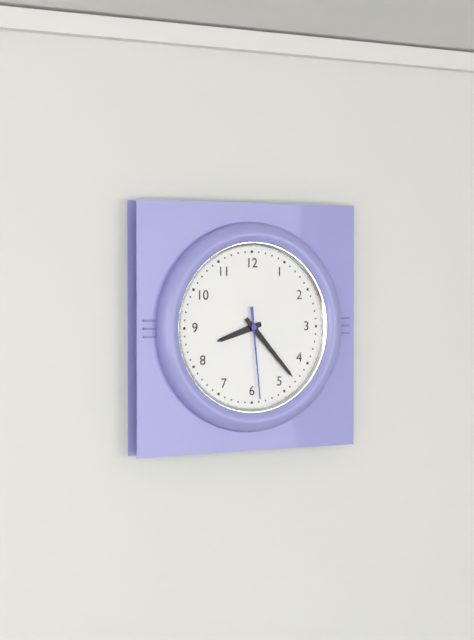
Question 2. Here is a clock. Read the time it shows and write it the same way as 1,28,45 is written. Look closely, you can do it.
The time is 8,23,29
